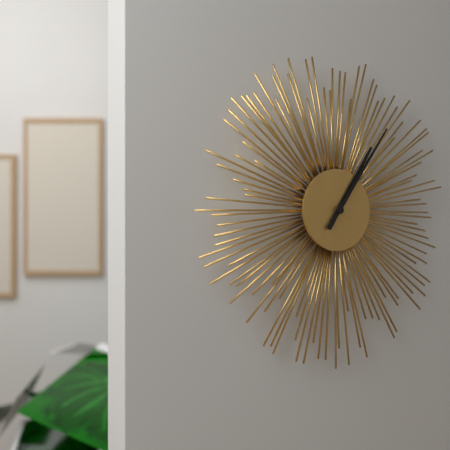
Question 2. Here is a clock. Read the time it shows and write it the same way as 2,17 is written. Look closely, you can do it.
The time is 1,06
